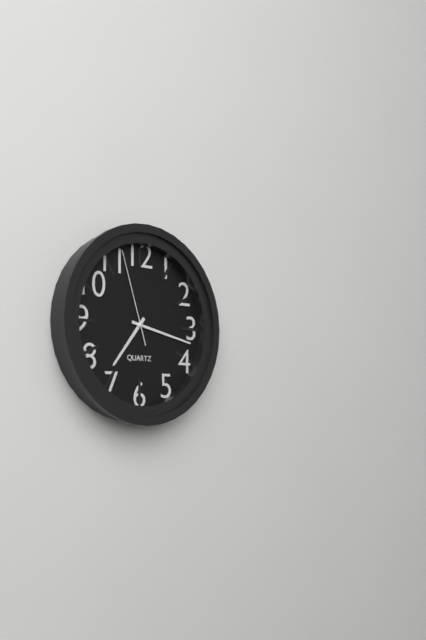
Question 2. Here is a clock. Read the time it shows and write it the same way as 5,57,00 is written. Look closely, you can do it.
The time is 7,17,57
